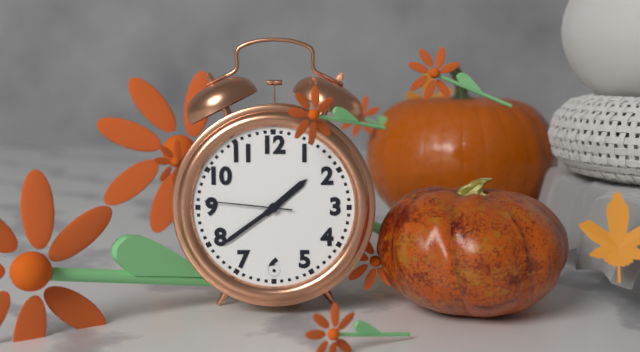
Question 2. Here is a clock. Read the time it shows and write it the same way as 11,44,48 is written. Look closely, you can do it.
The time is 1,39,46
